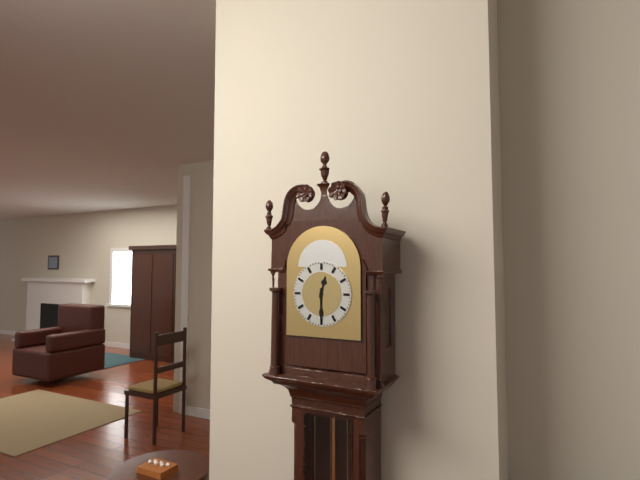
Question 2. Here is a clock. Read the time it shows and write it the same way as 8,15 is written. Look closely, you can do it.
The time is 12,30
